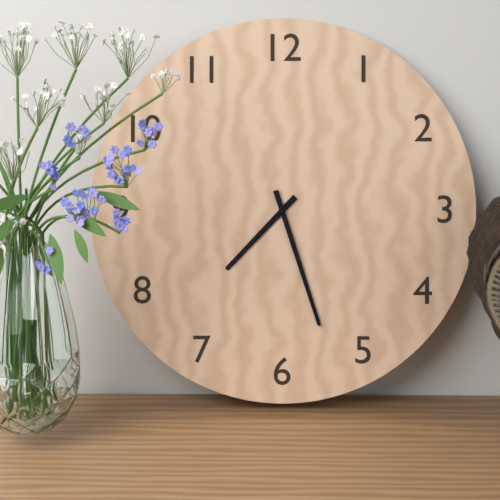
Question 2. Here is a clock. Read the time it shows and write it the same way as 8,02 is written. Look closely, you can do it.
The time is 7,27
